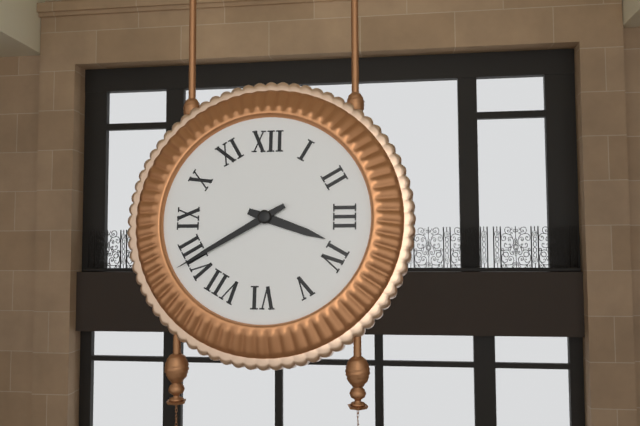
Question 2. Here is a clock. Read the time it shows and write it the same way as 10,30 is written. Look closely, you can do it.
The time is 3,40
